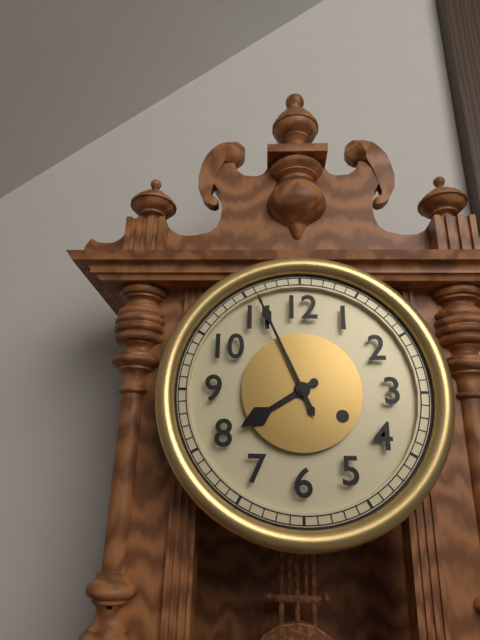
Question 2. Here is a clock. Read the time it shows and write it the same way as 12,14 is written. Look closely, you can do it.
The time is 7,56
